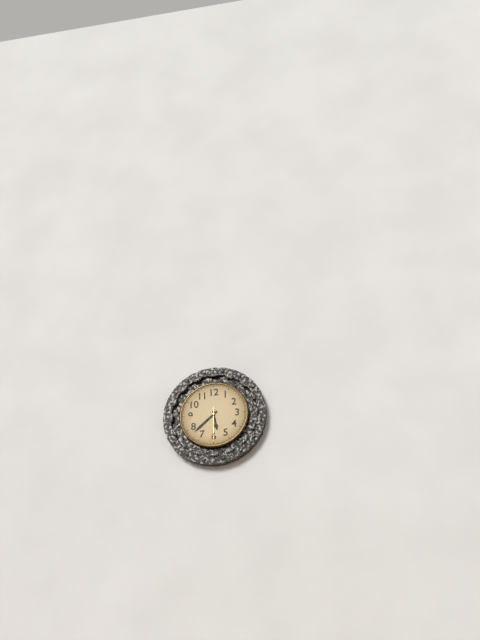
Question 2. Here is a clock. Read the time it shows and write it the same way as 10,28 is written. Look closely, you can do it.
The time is 5,38
